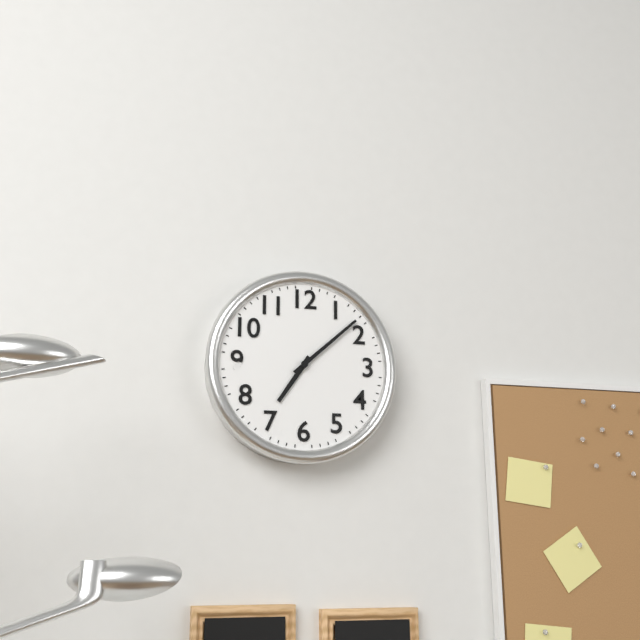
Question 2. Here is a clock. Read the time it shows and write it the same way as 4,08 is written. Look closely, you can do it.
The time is 7,08
